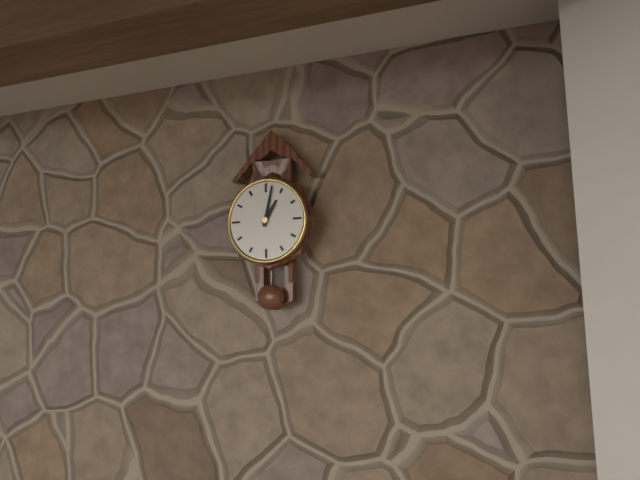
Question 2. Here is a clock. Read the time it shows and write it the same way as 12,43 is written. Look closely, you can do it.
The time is 1,02
